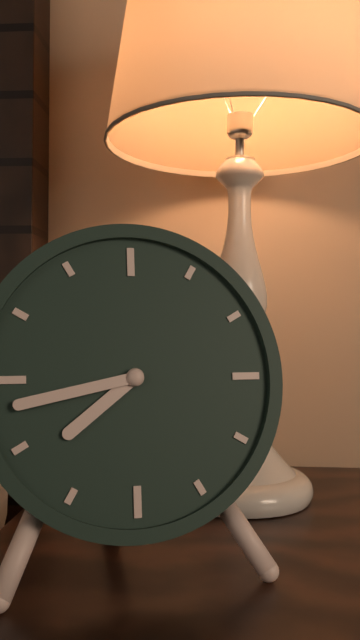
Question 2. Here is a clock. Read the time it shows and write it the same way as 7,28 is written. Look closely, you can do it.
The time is 7,43
